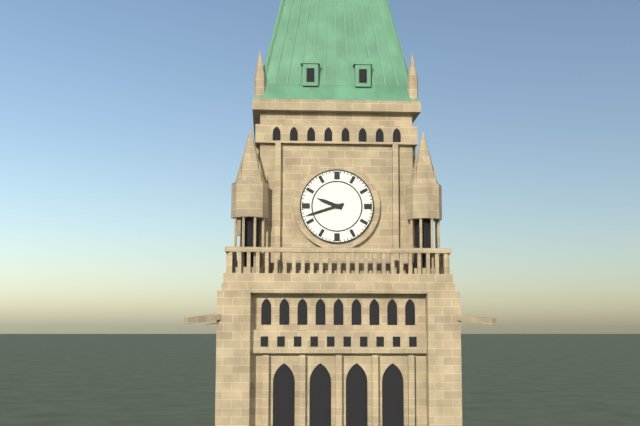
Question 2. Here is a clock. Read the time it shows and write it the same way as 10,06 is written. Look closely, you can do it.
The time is 9,42
